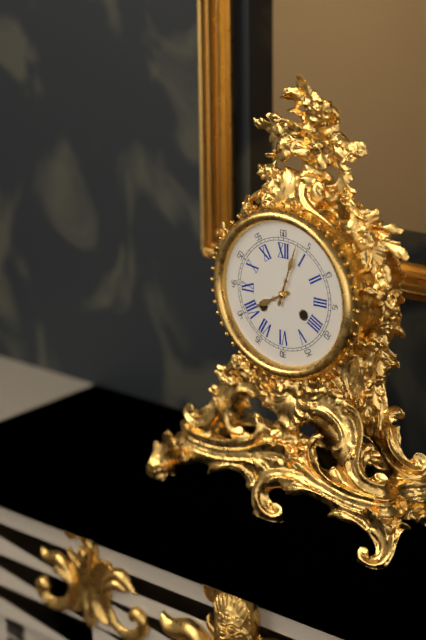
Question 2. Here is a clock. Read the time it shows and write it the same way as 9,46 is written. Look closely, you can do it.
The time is 8,03
